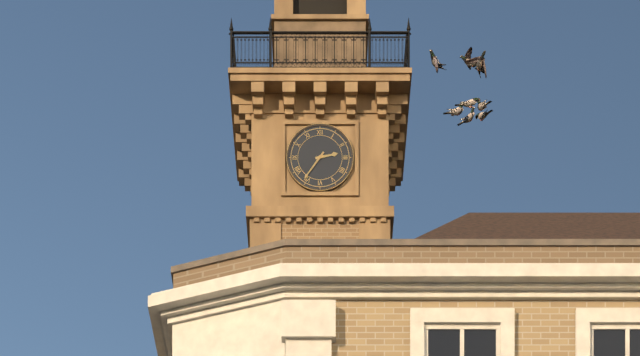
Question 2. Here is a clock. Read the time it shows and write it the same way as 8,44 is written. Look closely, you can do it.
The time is 2,36
